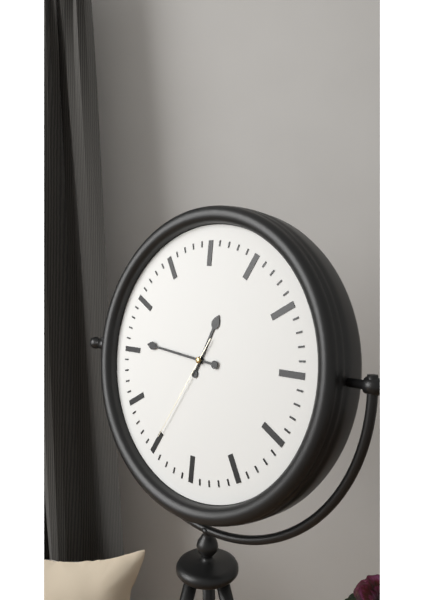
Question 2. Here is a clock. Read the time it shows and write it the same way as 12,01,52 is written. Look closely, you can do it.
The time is 12,46,35
